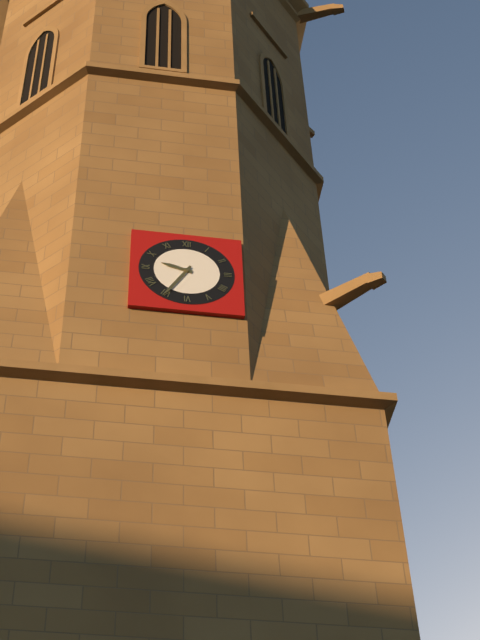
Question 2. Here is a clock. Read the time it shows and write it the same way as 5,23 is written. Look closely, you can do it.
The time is 9,35
